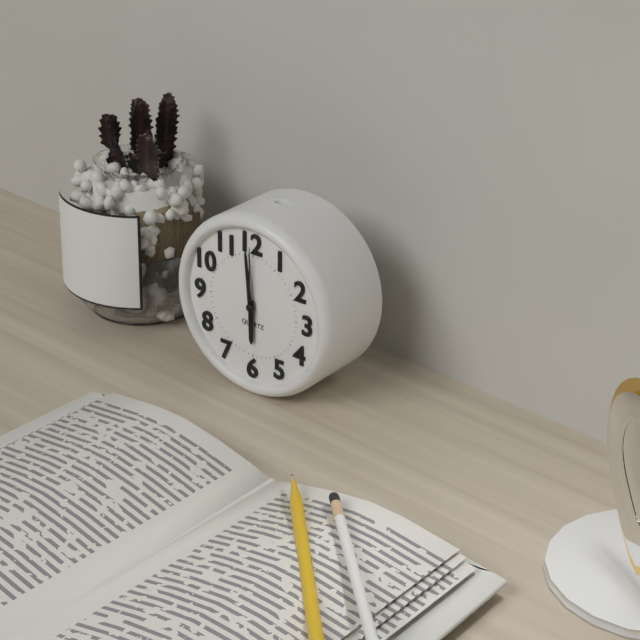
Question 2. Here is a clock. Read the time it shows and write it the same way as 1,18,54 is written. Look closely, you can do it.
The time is 5,59,00
